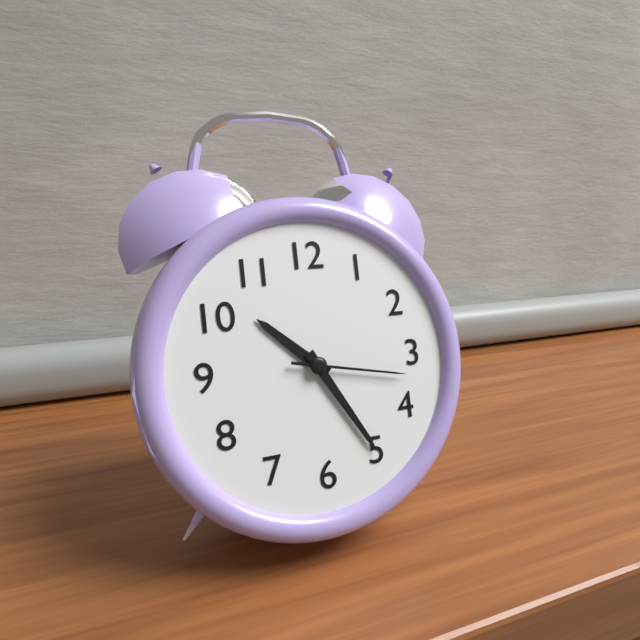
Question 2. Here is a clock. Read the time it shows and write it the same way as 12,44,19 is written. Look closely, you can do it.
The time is 10,25,17
